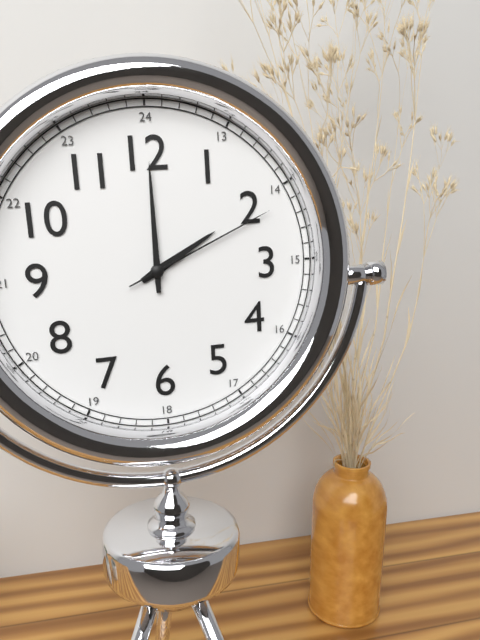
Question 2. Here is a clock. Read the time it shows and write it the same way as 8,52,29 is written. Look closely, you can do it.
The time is 2,00,11
